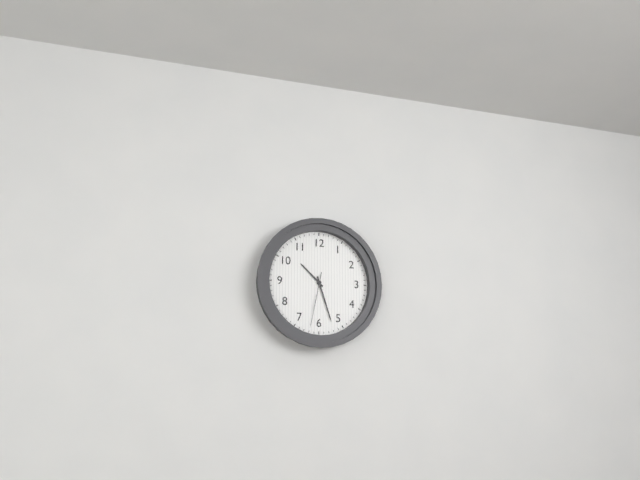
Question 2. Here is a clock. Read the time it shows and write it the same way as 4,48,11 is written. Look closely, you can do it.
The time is 10,27,32
